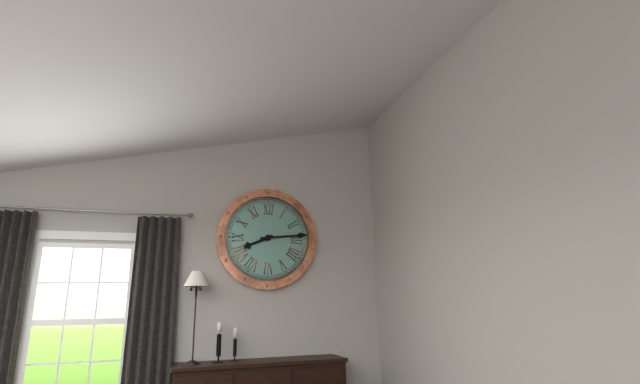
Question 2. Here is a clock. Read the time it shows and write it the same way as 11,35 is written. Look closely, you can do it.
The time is 8,14
